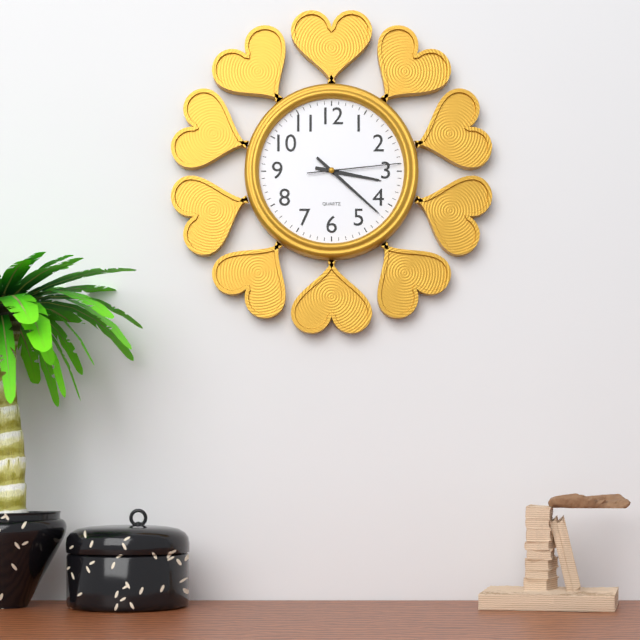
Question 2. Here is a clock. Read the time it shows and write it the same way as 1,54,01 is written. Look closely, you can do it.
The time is 3,22,14
